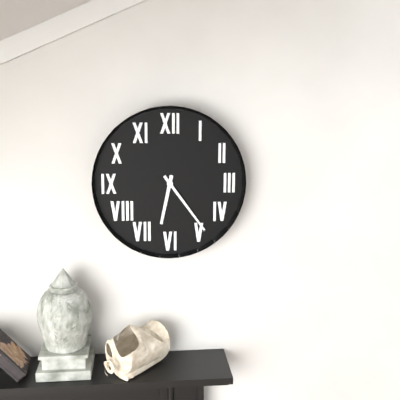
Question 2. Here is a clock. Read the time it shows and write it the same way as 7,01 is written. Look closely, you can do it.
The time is 6,24
